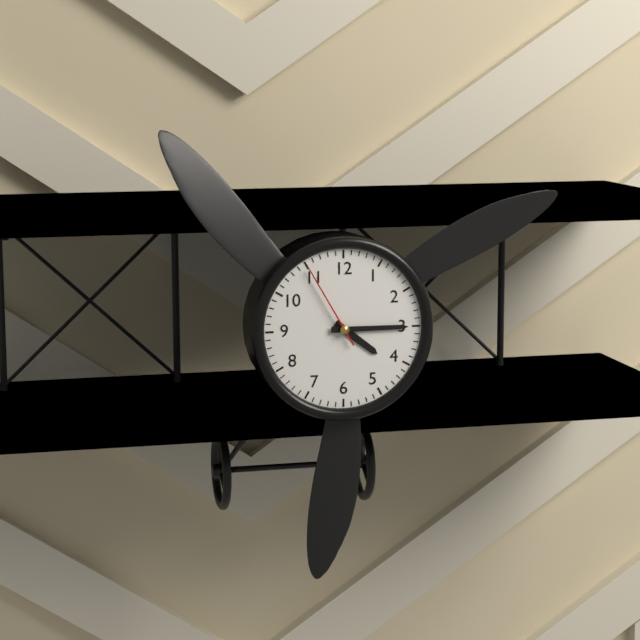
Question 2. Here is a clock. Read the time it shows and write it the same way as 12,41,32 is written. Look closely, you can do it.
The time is 4,15,55
